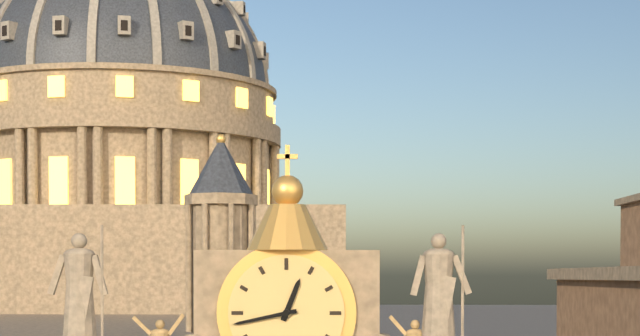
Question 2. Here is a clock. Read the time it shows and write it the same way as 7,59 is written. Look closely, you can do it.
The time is 12,43
